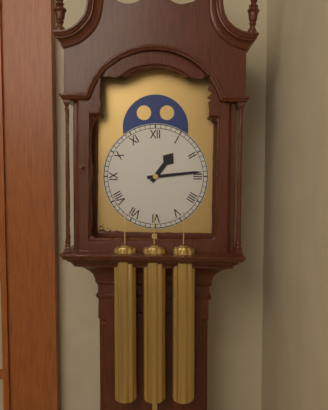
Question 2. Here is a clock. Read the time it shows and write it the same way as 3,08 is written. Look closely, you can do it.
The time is 1,14
